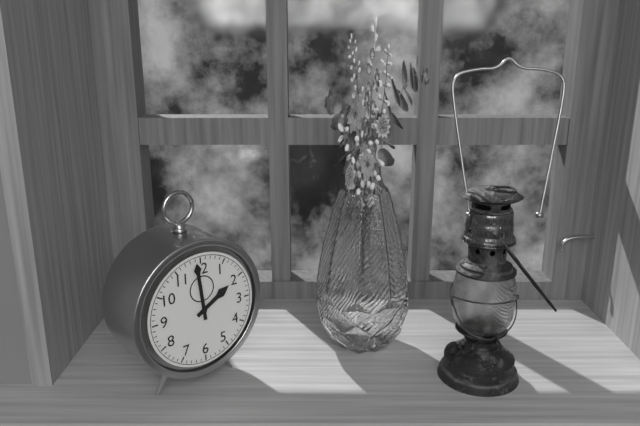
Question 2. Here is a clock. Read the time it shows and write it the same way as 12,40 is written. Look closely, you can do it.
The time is 1,59
